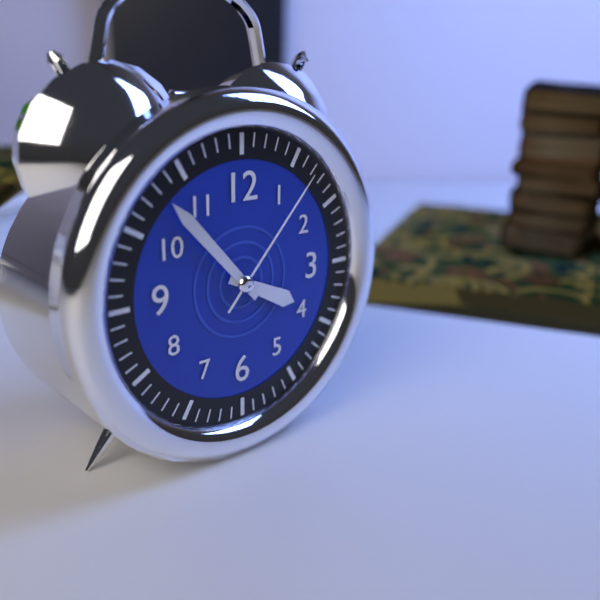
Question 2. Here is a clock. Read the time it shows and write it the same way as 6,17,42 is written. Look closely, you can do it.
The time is 3,53,07
